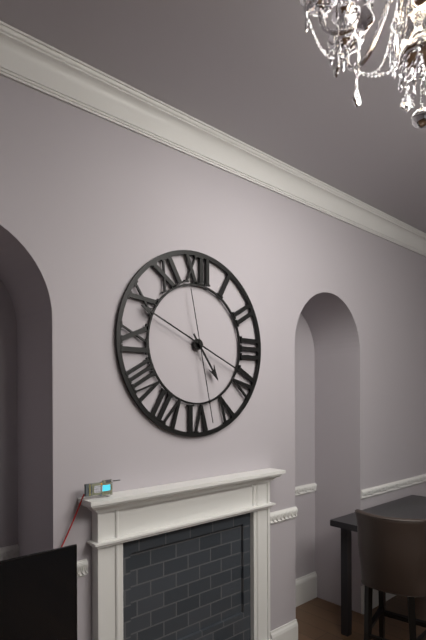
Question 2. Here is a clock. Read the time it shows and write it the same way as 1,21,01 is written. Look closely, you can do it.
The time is 4,49,28
